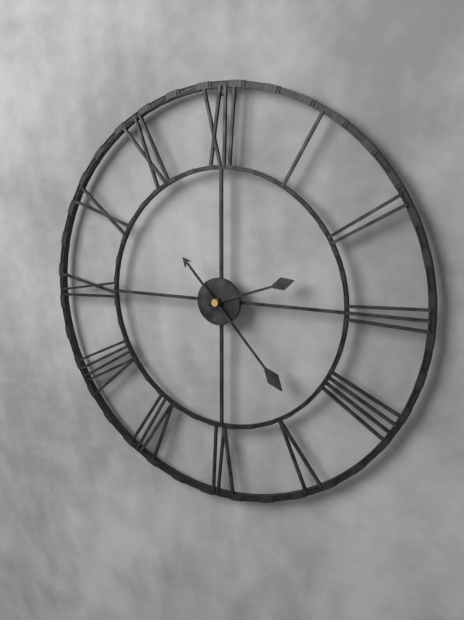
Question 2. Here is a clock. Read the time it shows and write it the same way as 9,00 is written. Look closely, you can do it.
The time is 2,23
